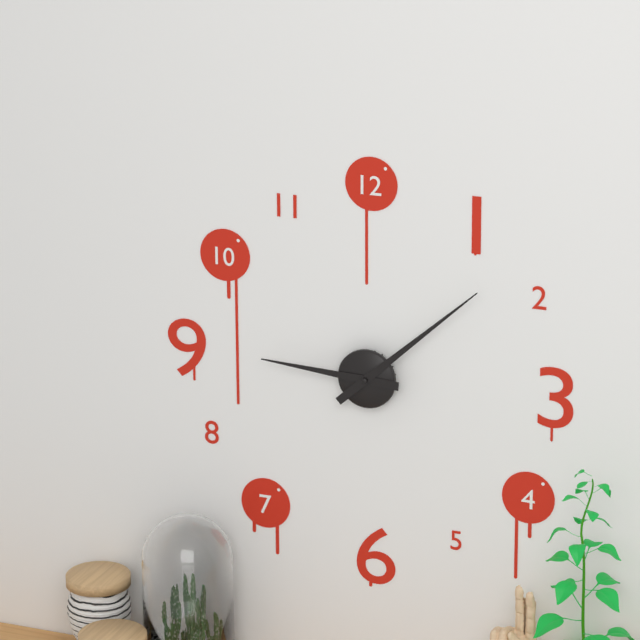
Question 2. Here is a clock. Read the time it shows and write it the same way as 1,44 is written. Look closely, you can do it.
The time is 9,08
